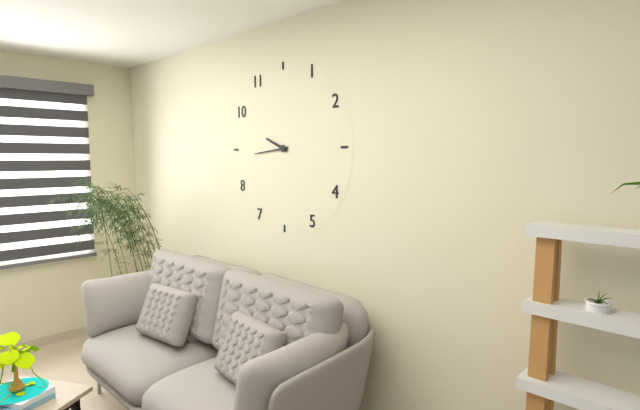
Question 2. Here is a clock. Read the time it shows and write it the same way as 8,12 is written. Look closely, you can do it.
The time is 9,44
